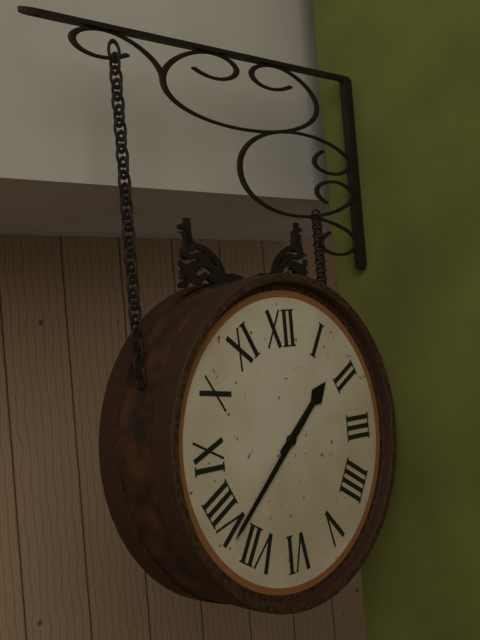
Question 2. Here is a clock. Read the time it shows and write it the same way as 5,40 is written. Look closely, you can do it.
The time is 1,38
